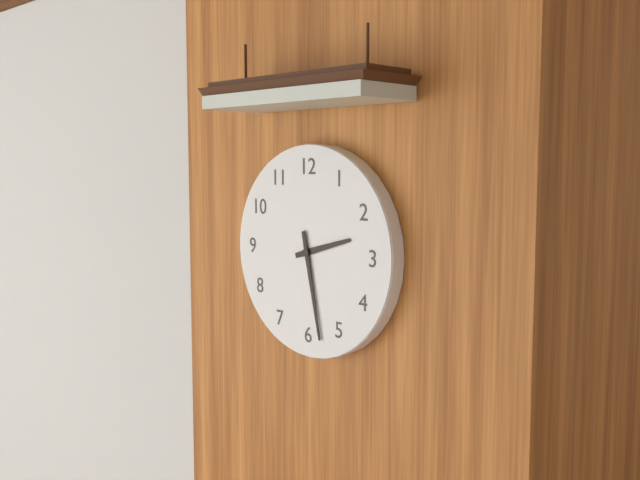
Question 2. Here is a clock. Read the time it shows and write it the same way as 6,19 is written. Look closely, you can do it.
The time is 2,28
